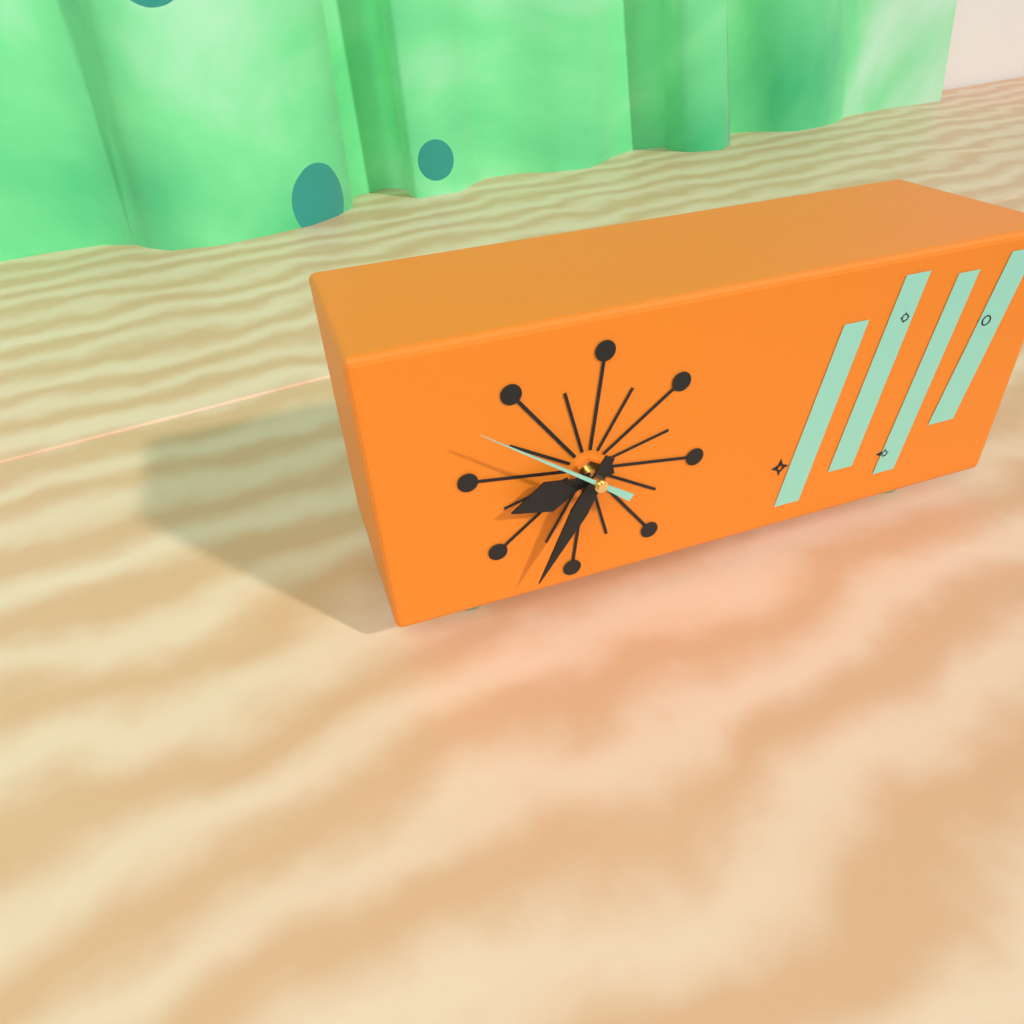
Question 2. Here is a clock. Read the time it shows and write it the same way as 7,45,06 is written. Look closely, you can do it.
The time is 8,35,51
